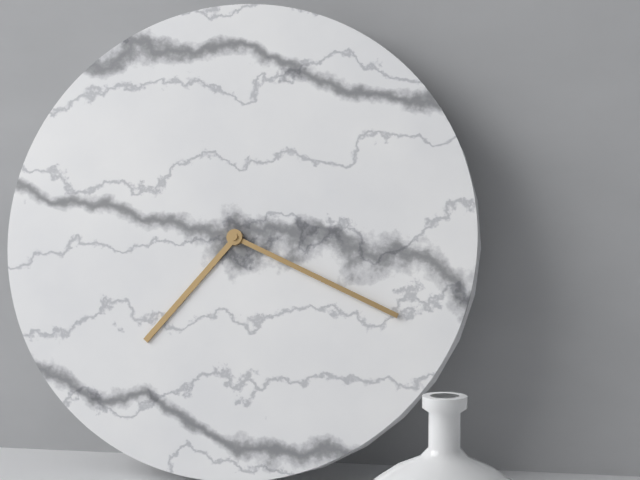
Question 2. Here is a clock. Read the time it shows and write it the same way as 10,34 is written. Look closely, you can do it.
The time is 7,19
